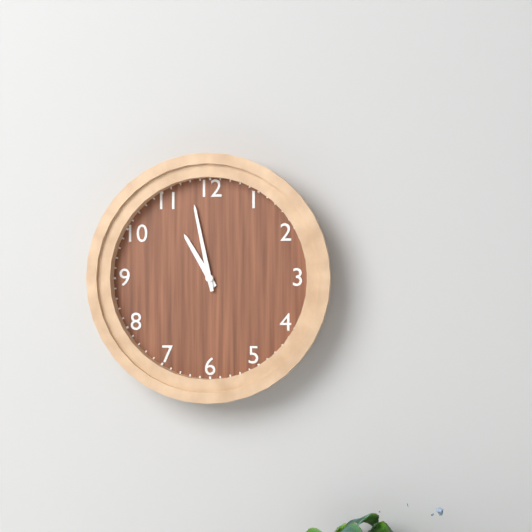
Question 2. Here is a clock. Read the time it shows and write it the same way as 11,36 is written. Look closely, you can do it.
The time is 10,58
